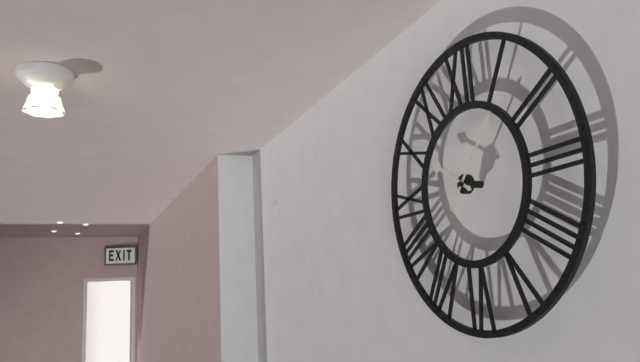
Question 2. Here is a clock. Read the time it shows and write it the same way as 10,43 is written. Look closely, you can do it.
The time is 10,07
